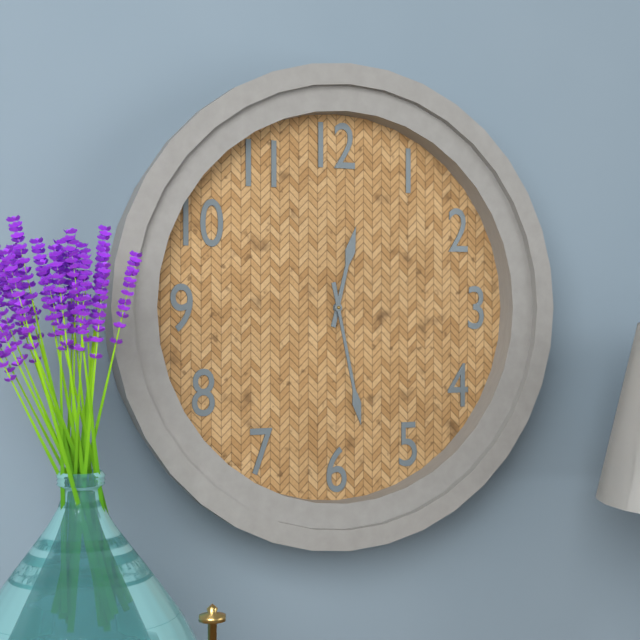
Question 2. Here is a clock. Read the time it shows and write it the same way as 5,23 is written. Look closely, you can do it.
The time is 12,28
